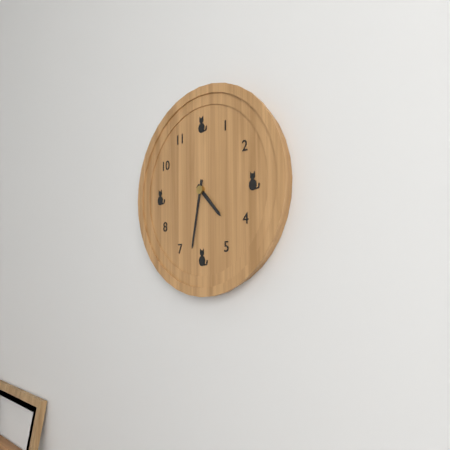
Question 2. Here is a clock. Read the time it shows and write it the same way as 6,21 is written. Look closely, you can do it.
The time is 4,32
